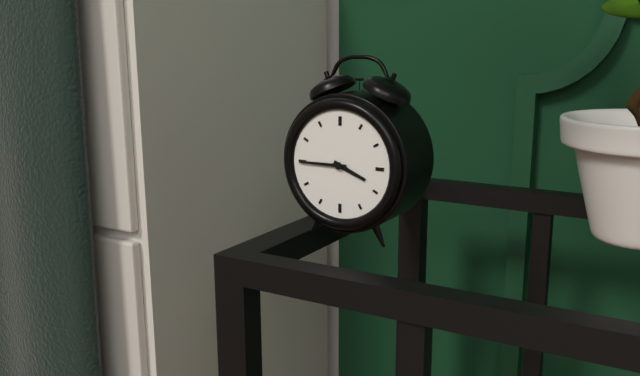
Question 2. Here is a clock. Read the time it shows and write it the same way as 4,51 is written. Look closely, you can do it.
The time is 3,45
